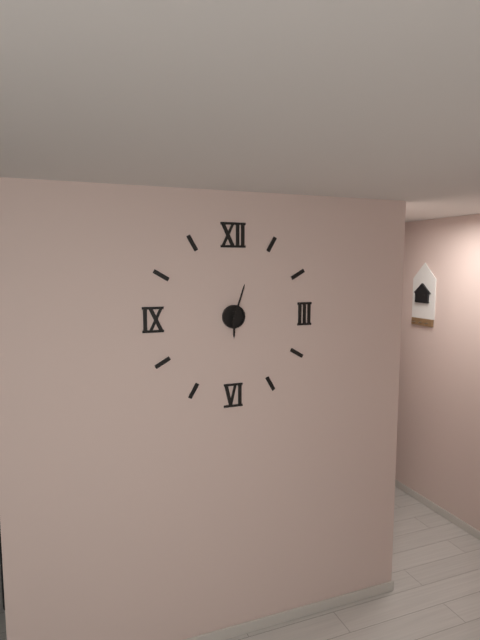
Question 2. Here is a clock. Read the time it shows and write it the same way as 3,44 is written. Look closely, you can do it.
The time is 6,03
